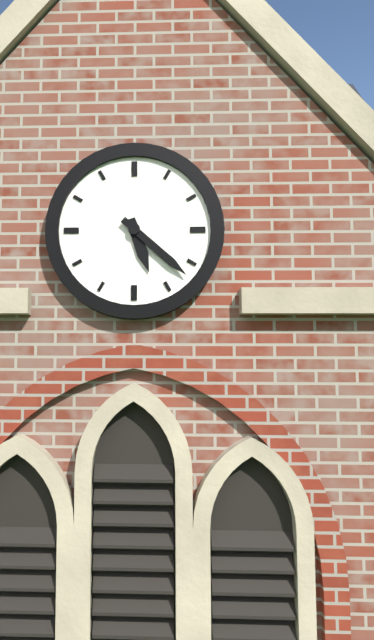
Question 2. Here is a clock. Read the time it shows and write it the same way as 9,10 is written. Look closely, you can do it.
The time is 5,22
